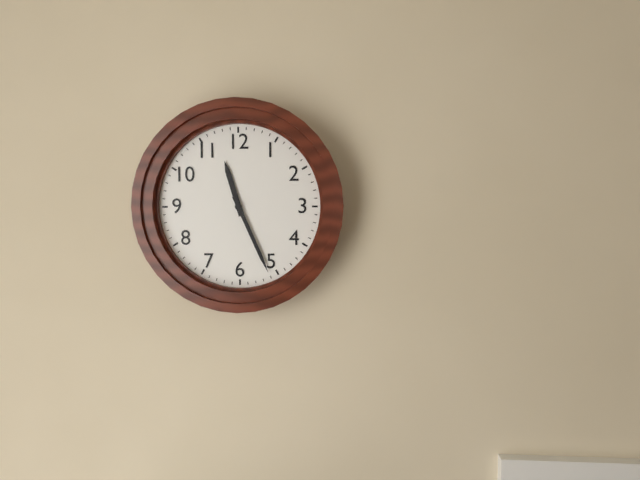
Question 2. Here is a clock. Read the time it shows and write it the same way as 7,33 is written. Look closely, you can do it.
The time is 11,26
